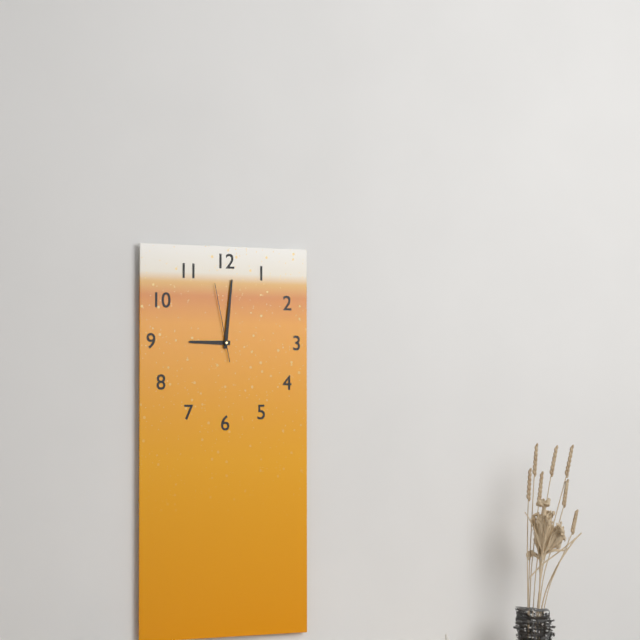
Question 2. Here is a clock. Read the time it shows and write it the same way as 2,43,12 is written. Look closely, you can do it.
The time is 9,01,58
